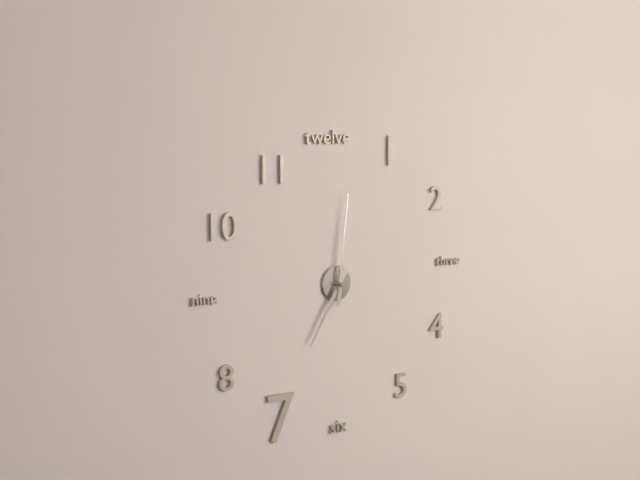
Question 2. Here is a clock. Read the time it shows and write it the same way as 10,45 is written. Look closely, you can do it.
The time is 7,01
